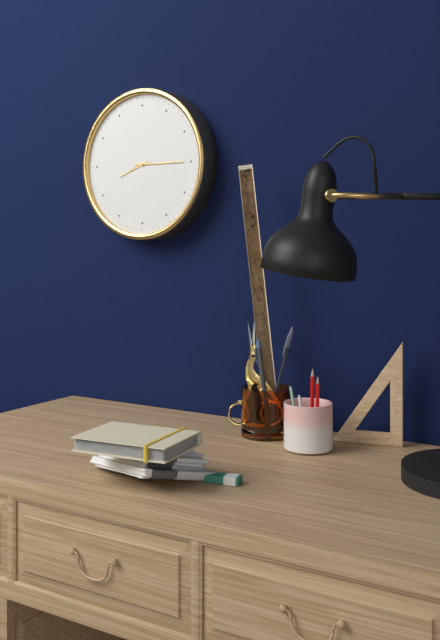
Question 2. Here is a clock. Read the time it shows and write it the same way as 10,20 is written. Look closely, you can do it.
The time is 8,15
